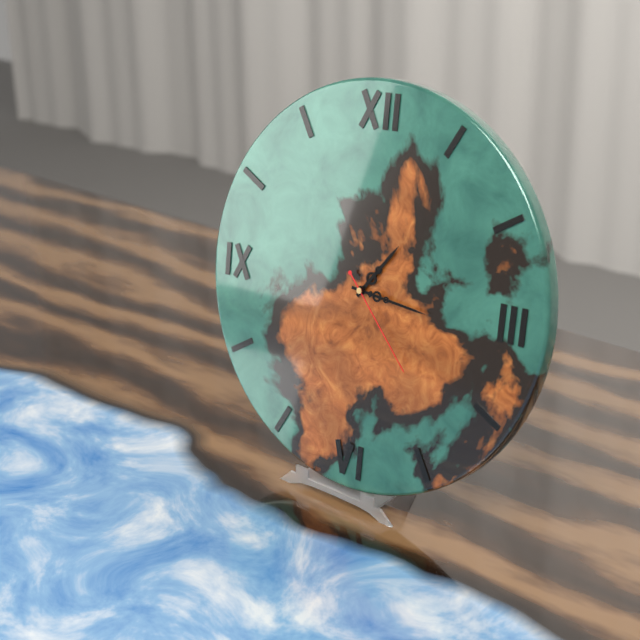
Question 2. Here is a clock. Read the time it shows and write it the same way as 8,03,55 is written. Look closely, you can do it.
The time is 1,16,23
